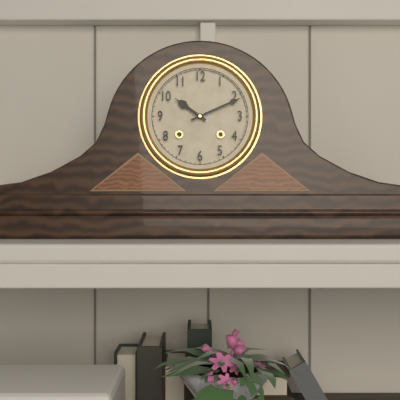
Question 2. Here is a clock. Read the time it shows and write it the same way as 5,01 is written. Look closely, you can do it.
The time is 10,11
